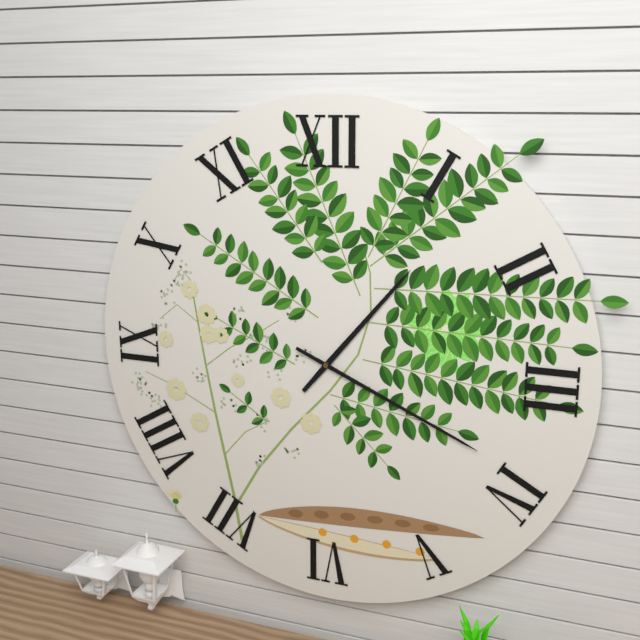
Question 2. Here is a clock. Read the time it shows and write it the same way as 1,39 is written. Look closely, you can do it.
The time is 1,19
